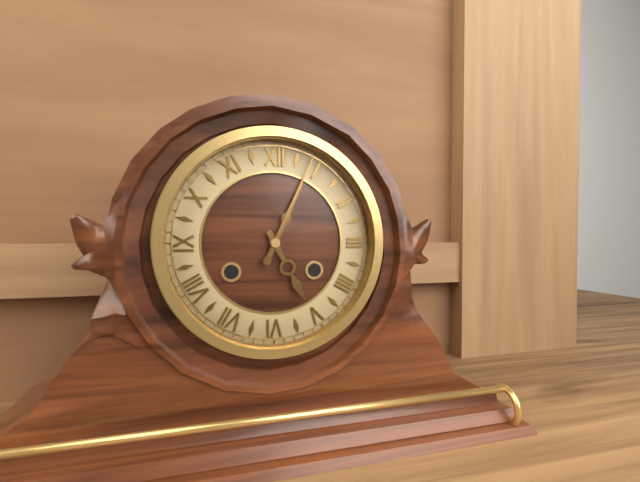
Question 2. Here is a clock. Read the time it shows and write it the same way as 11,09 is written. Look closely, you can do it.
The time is 5,04
